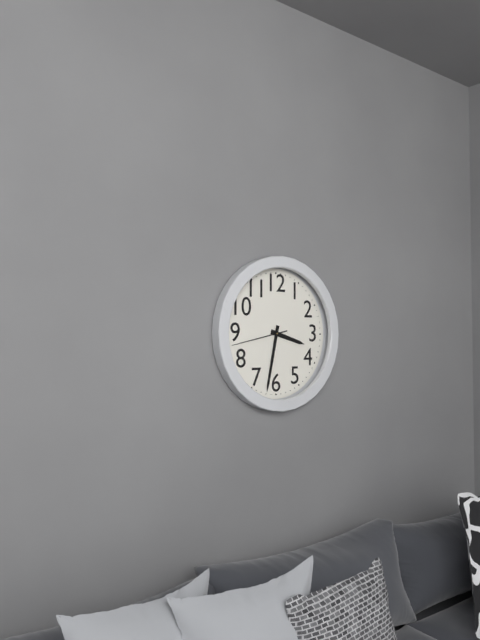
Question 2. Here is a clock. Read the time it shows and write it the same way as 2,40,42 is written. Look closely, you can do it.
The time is 3,32,43
